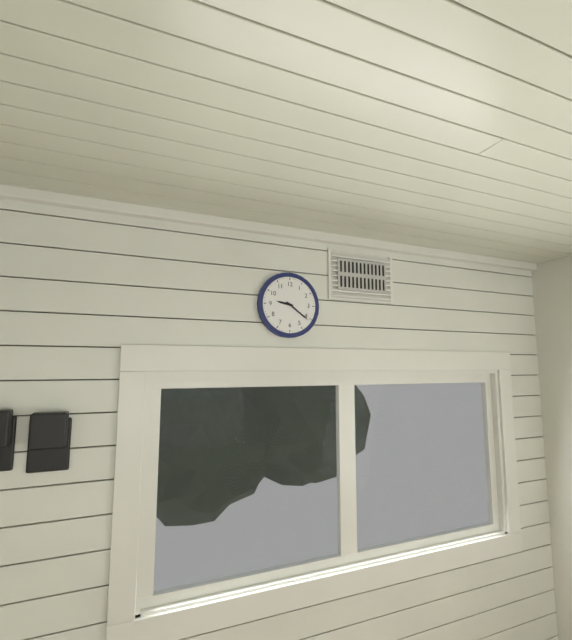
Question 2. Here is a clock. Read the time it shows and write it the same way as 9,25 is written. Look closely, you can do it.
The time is 9,21
